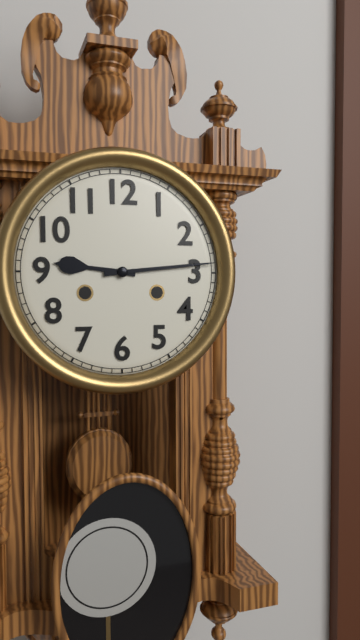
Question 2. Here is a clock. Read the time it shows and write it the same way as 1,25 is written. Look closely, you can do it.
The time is 9,14
